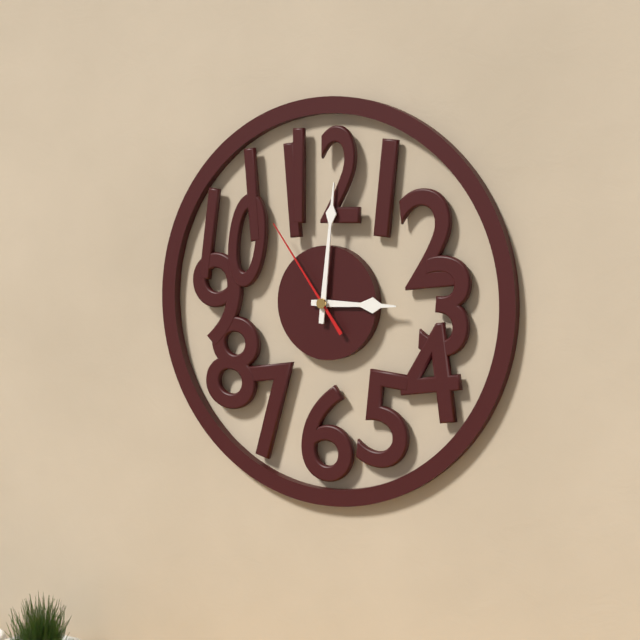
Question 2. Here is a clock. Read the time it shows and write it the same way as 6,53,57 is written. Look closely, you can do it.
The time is 3,01,54
